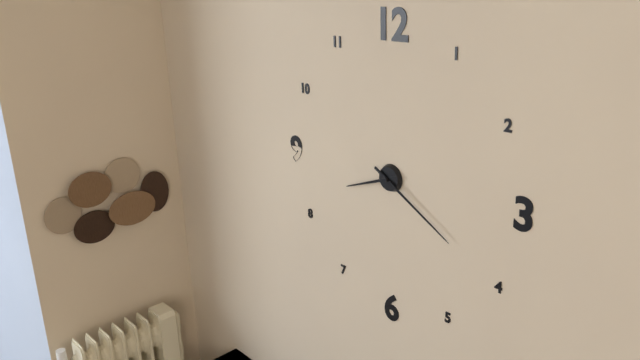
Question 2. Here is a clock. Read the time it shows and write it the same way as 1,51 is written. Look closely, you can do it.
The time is 8,20
